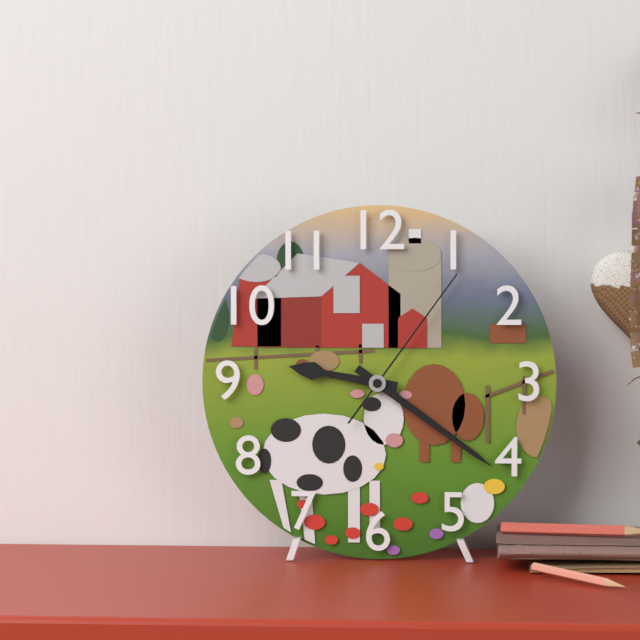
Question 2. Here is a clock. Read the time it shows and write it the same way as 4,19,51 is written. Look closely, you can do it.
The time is 9,21,06
